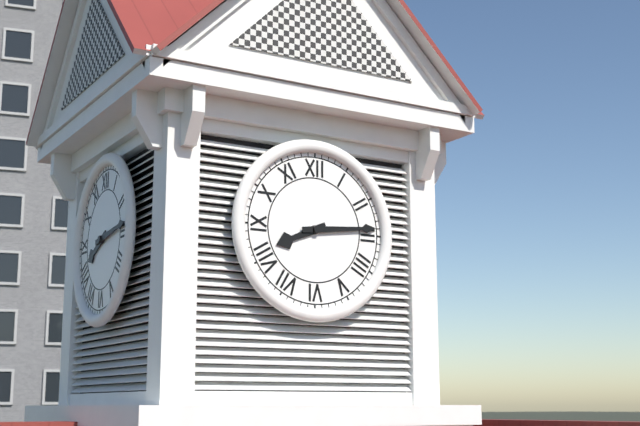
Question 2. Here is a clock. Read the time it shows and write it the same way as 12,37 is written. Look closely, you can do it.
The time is 8,14
